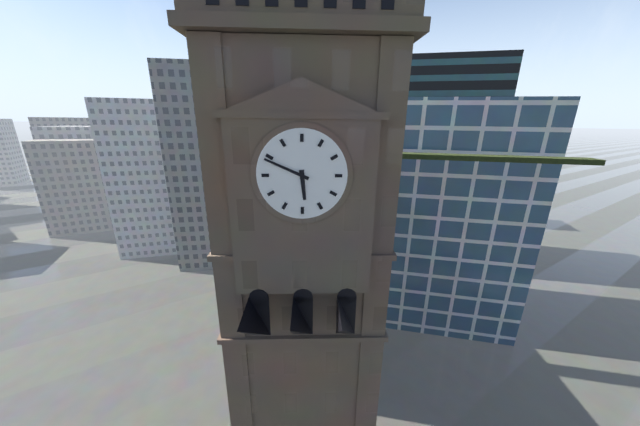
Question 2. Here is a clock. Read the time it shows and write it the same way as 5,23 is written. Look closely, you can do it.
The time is 5,49
